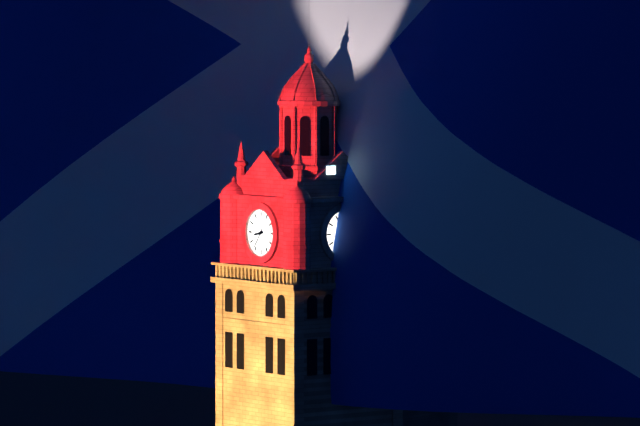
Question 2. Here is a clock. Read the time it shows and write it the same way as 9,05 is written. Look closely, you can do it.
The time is 8,36
